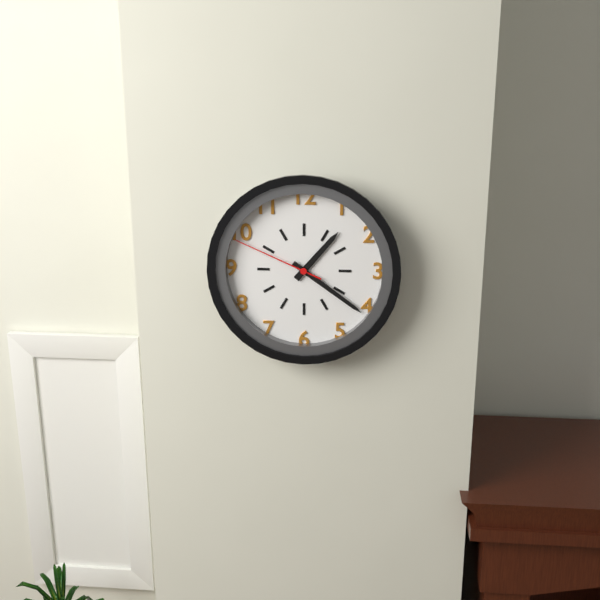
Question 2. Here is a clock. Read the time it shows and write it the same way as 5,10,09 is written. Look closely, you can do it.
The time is 1,21,49
